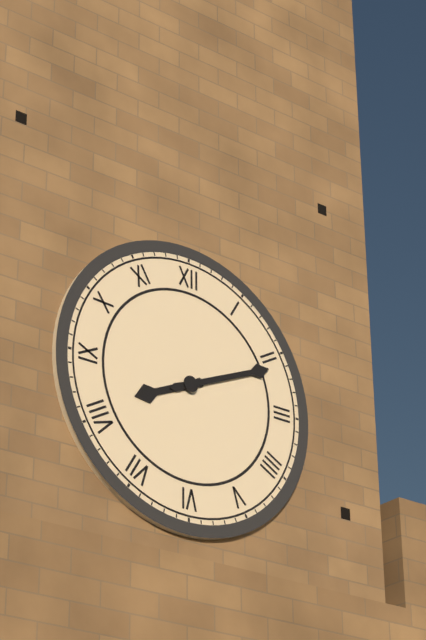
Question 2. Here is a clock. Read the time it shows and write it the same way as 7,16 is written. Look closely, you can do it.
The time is 8,11
